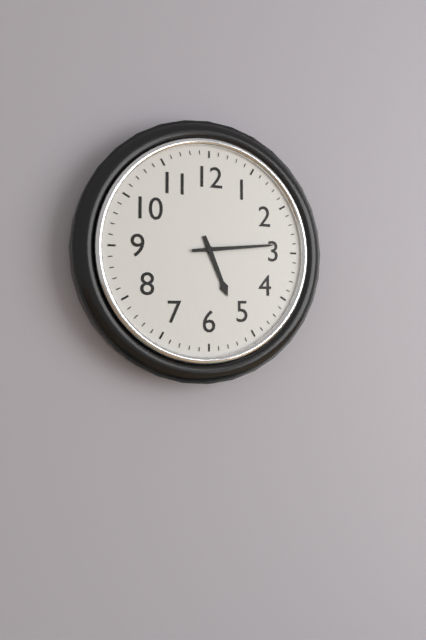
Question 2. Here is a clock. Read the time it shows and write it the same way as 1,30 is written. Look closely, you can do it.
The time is 5,14
